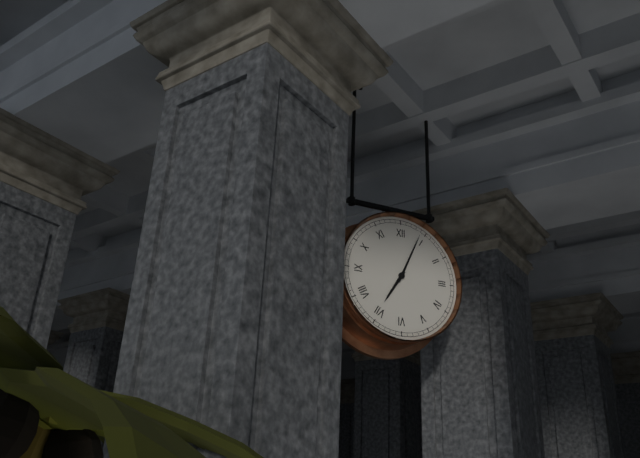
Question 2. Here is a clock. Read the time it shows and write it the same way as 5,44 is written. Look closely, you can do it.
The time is 7,04
